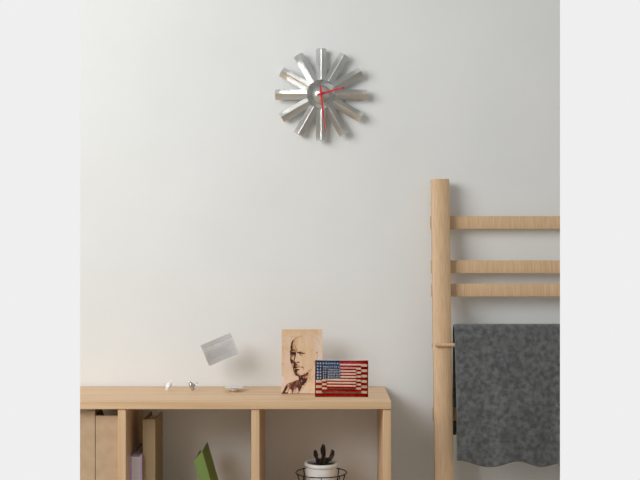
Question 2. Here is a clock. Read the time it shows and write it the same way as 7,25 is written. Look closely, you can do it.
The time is 2,29
